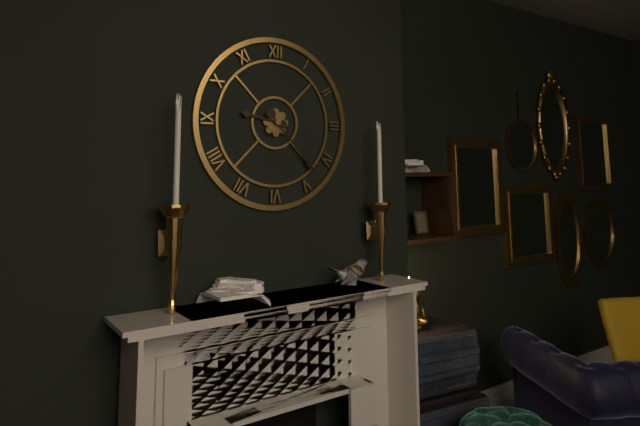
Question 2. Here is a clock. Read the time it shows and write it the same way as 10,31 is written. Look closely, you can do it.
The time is 9,23
